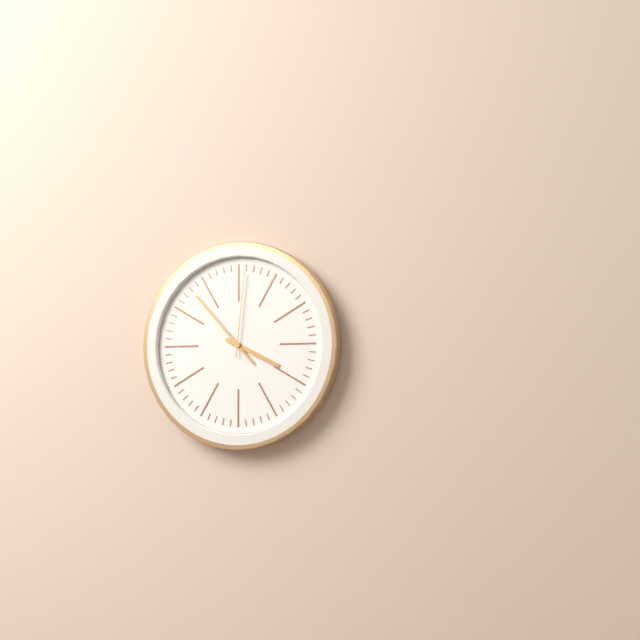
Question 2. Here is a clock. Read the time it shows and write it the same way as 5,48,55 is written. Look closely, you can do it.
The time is 3,53,01
